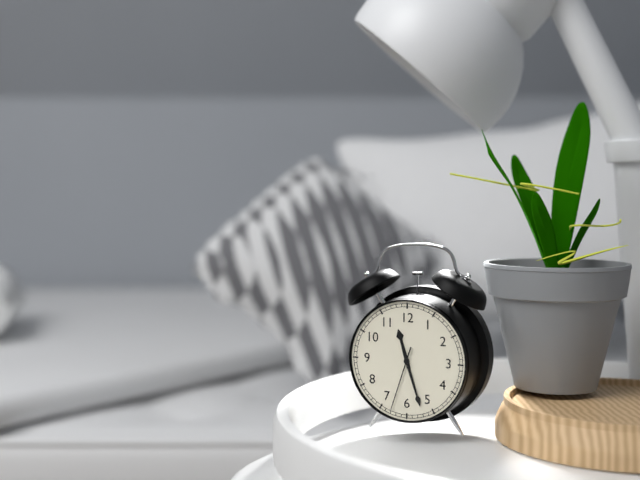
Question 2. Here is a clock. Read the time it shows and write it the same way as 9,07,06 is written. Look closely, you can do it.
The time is 11,27,33
